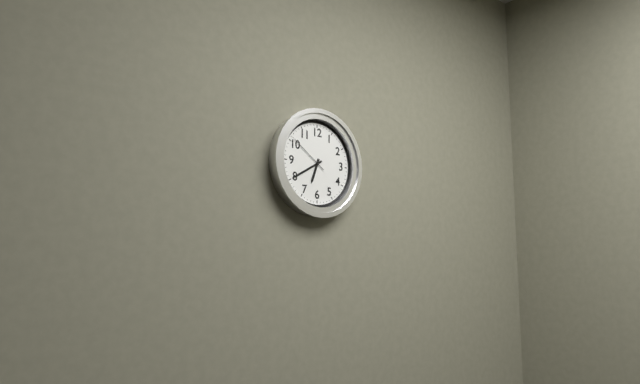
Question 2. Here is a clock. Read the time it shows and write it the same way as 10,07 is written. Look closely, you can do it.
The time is 6,40
